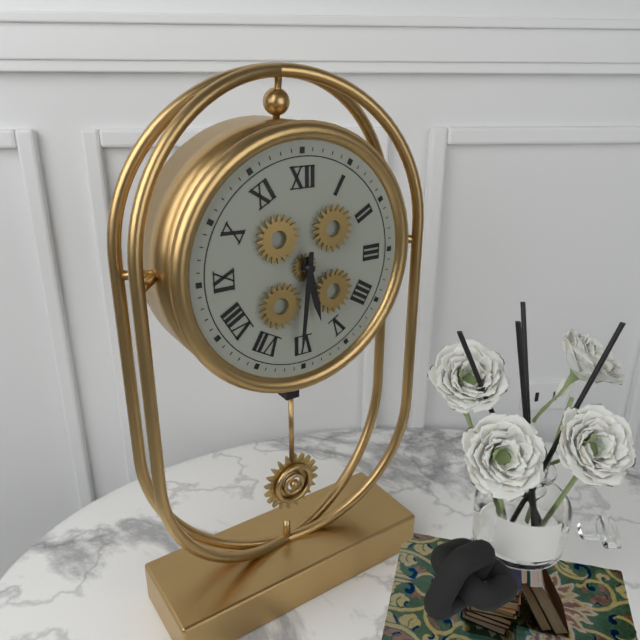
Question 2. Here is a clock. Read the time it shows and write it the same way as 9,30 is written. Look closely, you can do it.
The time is 5,31
